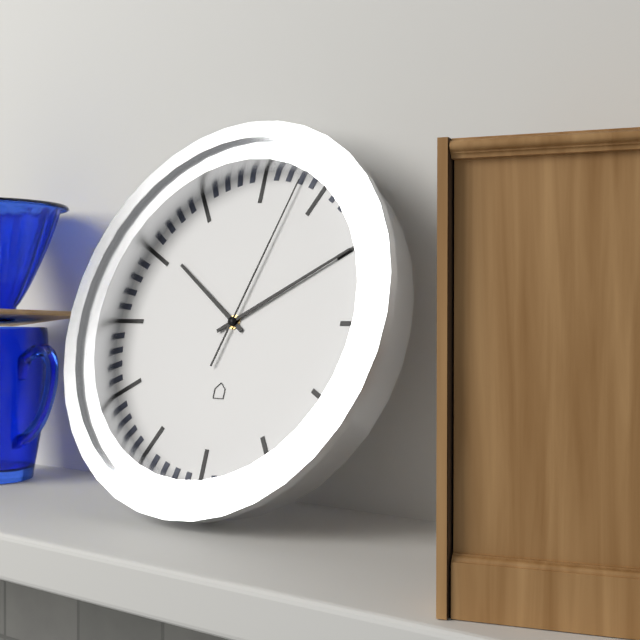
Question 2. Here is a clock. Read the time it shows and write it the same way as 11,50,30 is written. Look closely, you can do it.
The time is 10,10,03
